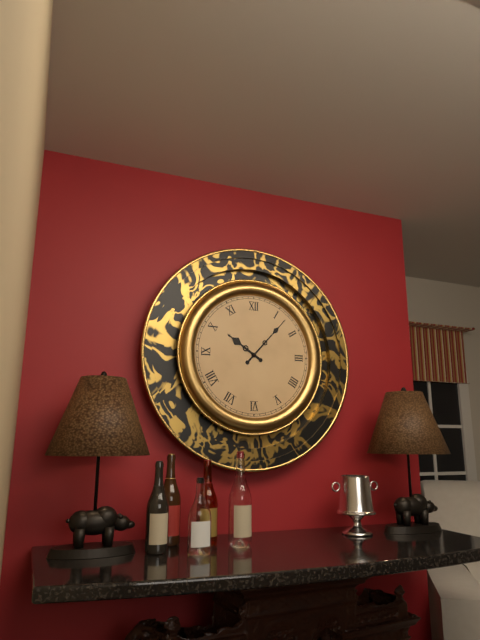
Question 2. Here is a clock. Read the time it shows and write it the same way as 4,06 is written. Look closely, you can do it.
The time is 10,07
